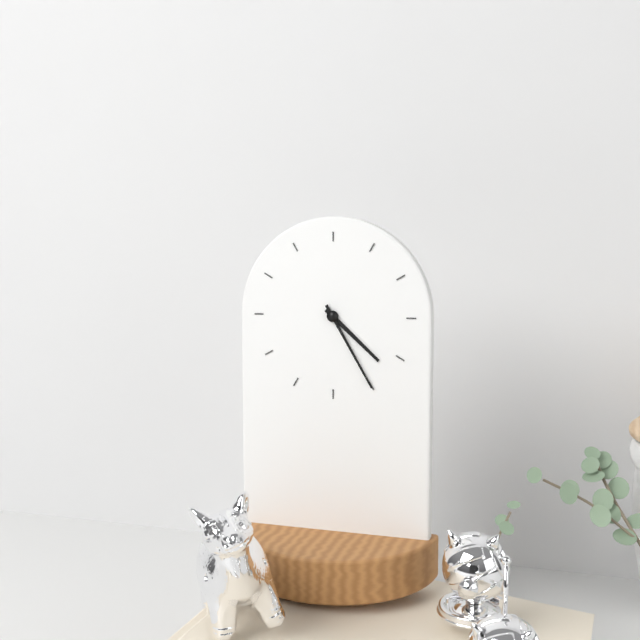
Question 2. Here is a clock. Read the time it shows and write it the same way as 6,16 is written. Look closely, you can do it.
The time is 4,25
